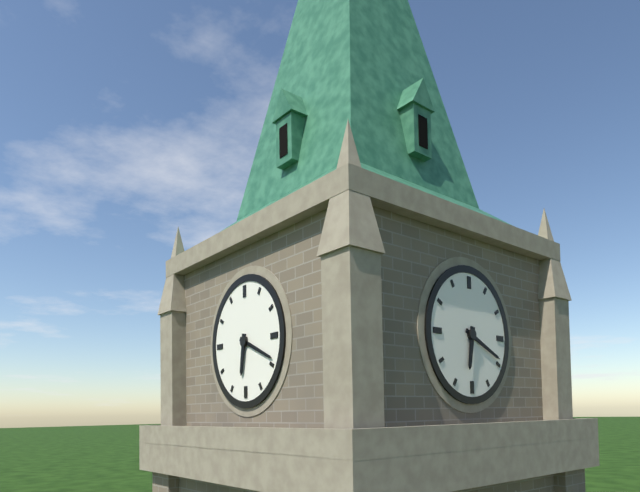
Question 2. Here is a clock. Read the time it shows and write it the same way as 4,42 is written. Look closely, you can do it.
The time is 6,19
